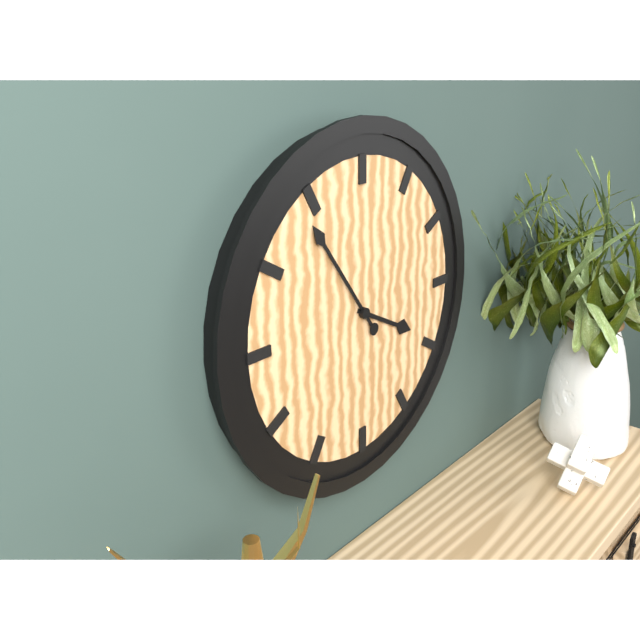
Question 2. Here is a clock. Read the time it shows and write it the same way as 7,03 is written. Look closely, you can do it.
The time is 3,54
